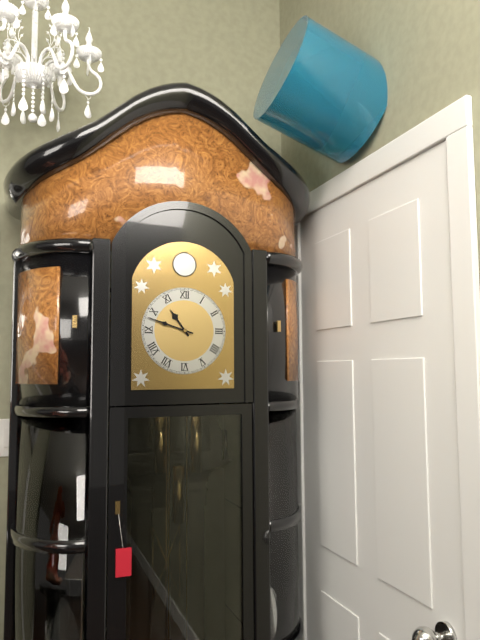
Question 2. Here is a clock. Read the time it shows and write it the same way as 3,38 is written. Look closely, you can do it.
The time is 10,48
